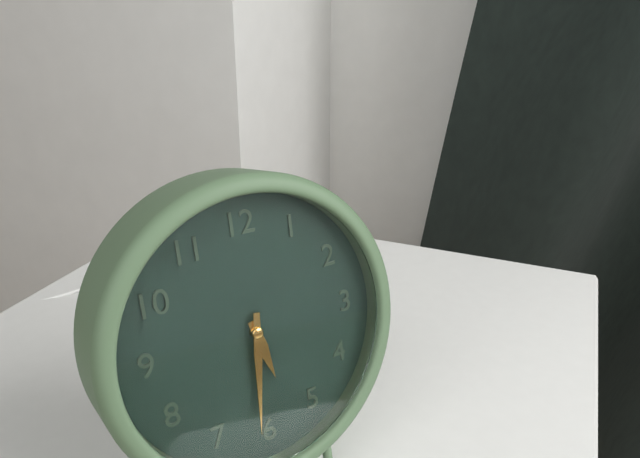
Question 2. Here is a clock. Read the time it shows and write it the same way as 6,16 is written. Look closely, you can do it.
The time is 5,31
